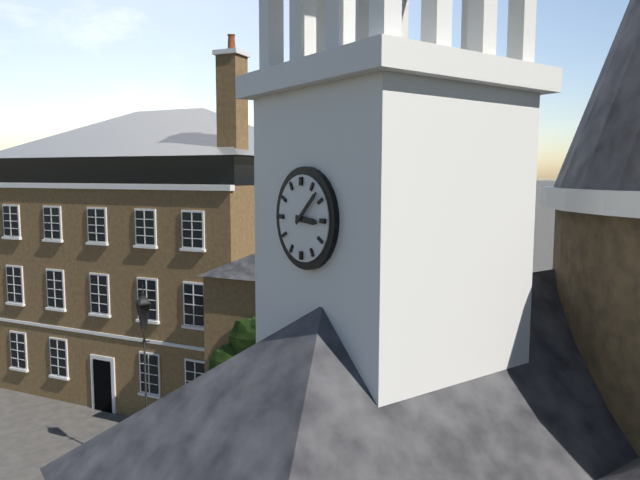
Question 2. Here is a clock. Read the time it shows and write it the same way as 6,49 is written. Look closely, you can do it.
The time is 3,08
